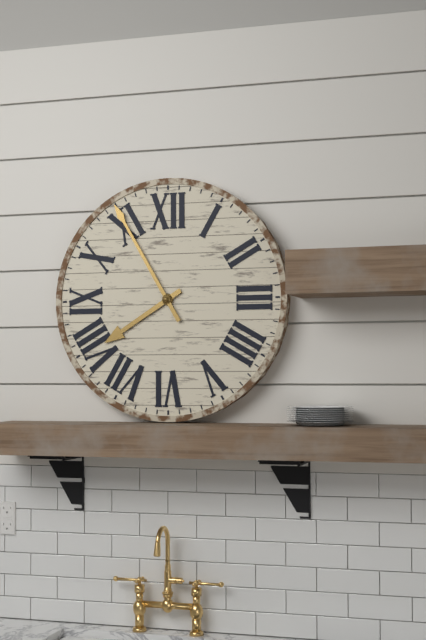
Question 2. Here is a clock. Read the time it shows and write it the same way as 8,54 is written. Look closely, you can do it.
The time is 7,55
